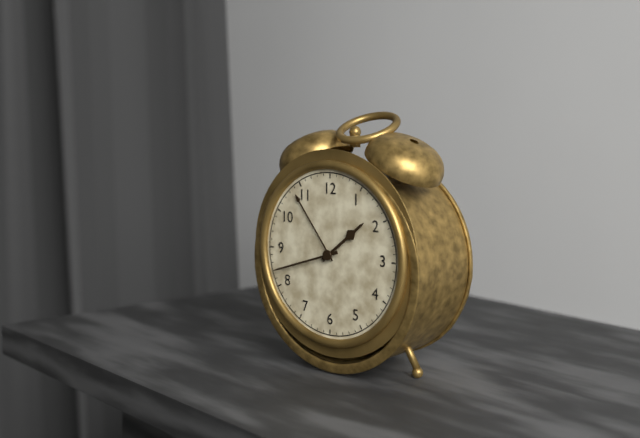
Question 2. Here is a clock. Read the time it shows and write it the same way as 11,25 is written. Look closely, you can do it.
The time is 1,42
